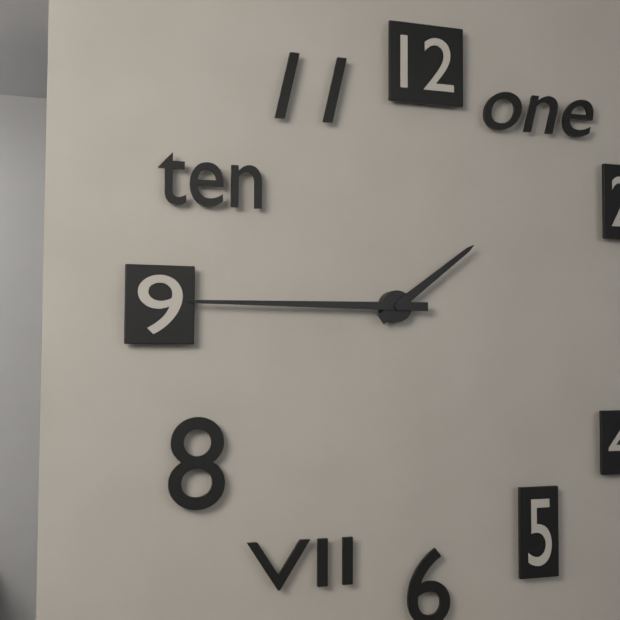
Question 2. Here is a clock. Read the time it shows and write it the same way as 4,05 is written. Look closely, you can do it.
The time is 1,45
